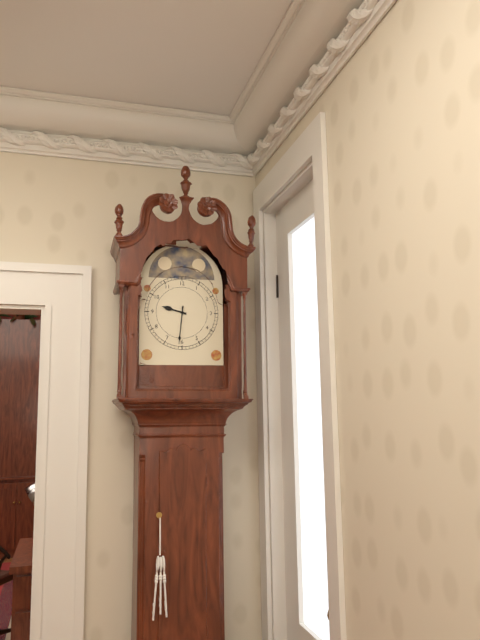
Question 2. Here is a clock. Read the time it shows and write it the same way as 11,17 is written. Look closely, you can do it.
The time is 9,31
